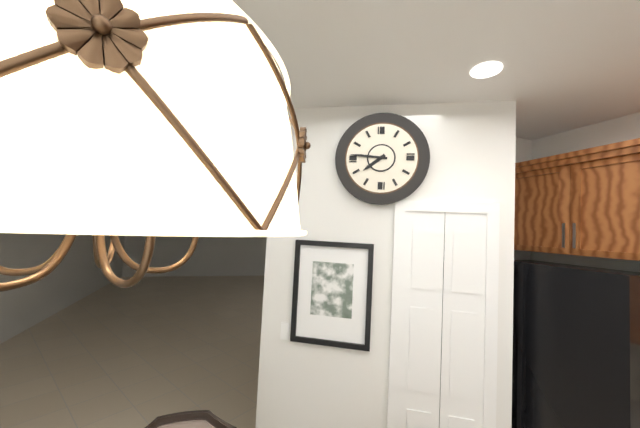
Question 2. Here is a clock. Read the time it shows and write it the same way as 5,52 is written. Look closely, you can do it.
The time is 7,46
